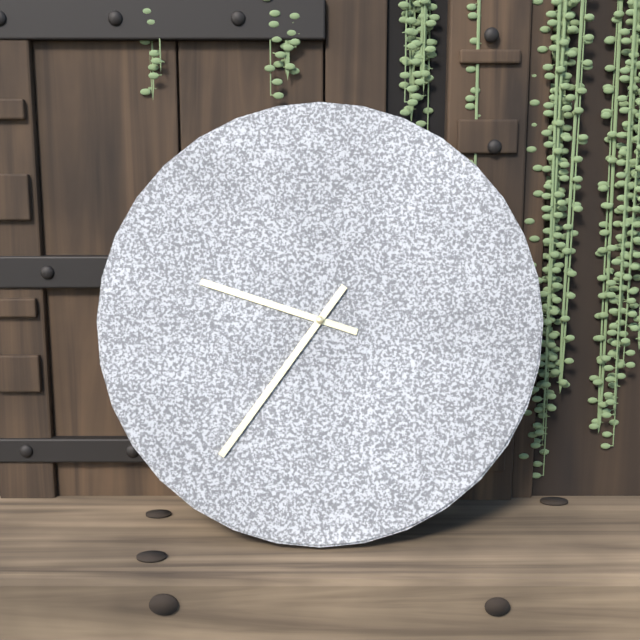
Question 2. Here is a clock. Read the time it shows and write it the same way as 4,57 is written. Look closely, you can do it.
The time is 9,36
